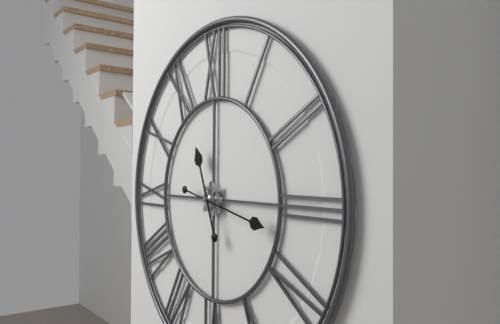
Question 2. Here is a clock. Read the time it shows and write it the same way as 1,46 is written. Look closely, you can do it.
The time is 11,17
